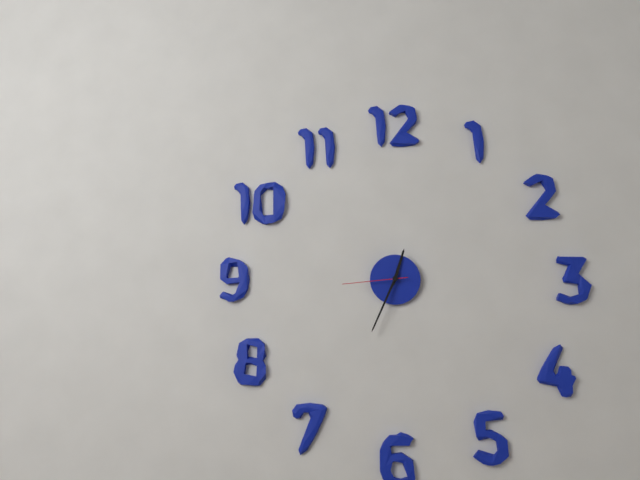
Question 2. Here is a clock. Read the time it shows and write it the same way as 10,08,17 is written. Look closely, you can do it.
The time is 12,34,44
